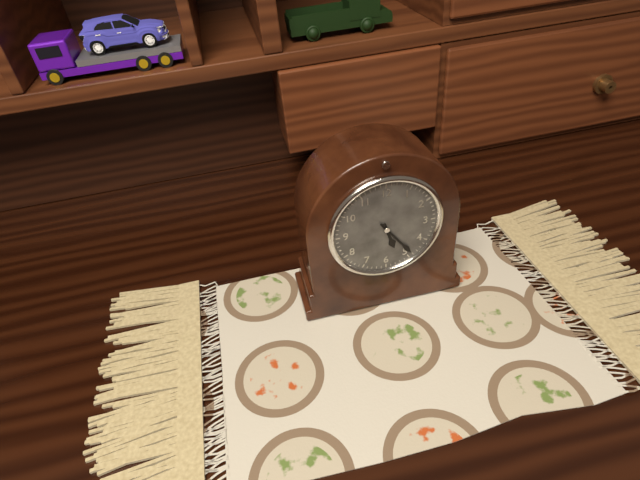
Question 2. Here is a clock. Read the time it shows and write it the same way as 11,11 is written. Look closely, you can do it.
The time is 5,24
